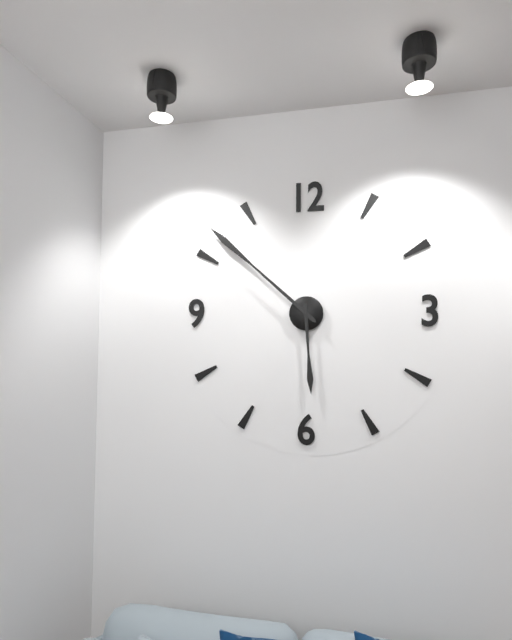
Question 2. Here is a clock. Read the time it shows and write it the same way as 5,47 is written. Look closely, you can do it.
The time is 5,52
